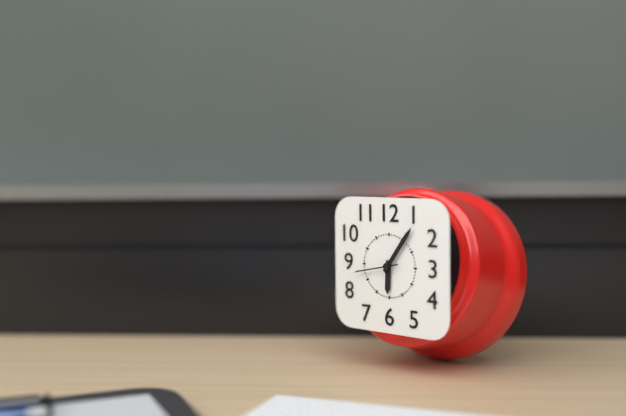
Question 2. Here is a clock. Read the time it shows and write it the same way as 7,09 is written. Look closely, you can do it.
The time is 6,06
